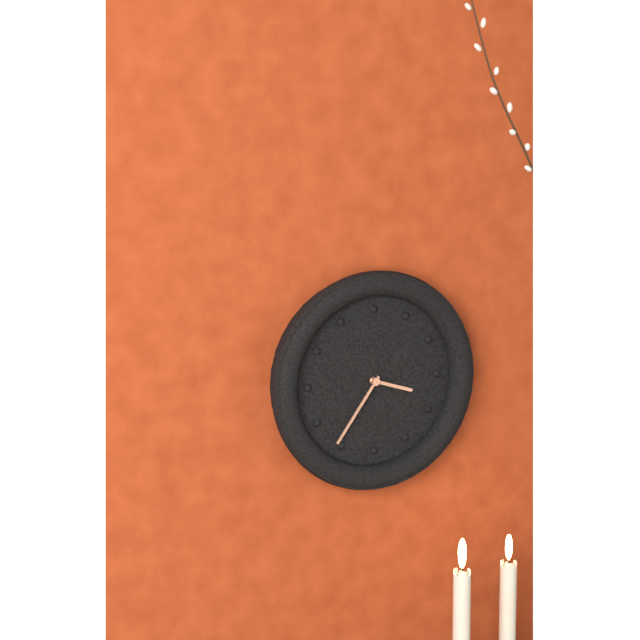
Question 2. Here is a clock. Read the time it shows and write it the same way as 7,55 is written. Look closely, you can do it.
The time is 3,36
